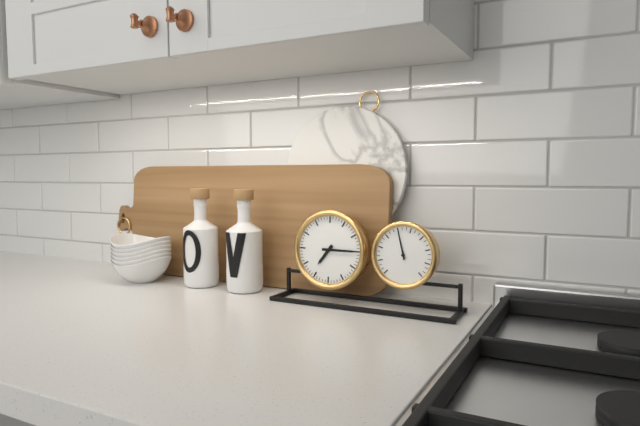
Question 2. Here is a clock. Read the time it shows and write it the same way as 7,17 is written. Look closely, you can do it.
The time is 7,15
